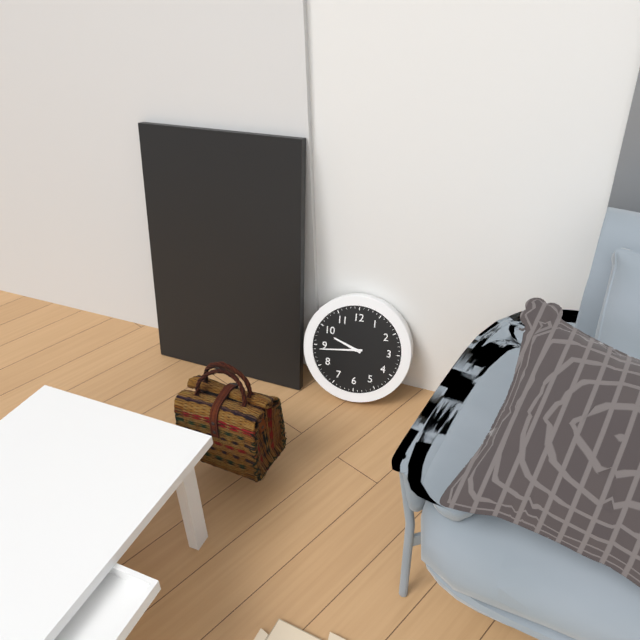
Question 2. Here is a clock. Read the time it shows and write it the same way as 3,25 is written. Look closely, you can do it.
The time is 9,44
